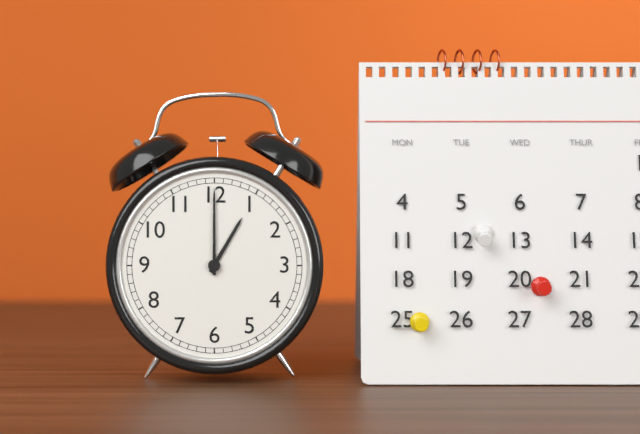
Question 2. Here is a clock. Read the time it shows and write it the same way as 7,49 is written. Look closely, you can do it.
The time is 1,00
